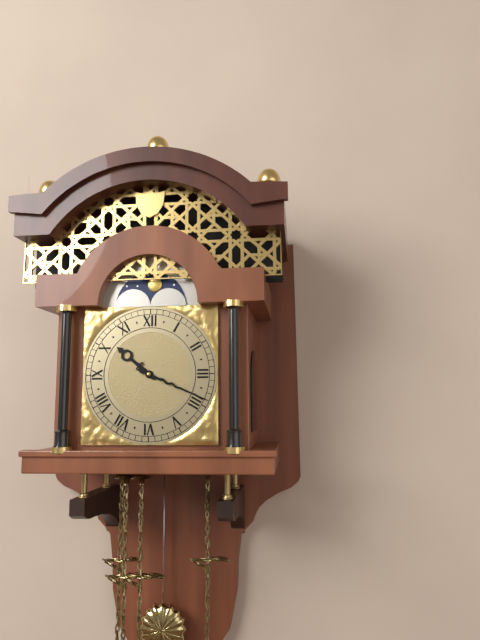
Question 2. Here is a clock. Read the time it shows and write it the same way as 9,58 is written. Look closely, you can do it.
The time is 10,19
